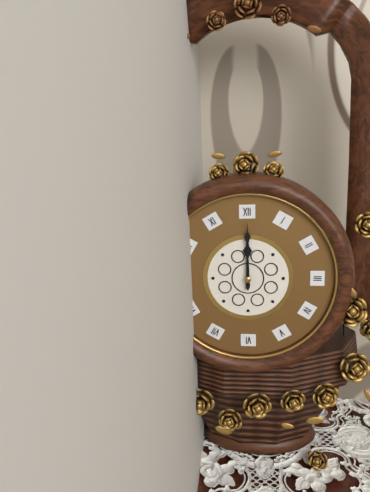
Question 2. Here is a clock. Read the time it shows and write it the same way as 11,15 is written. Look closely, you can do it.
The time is 12,00
